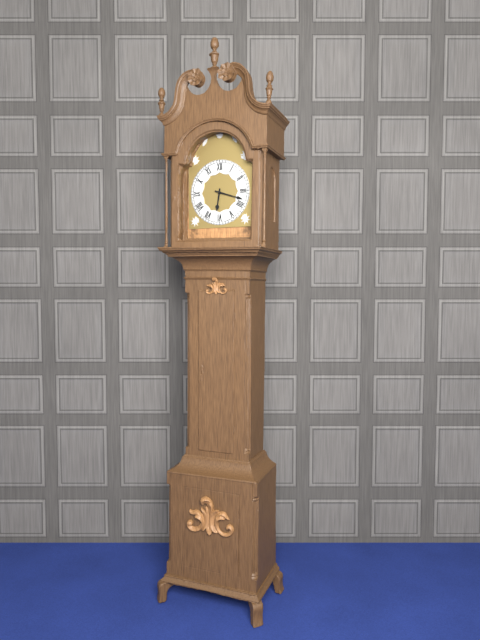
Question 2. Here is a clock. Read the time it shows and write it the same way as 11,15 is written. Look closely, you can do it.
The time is 6,18
